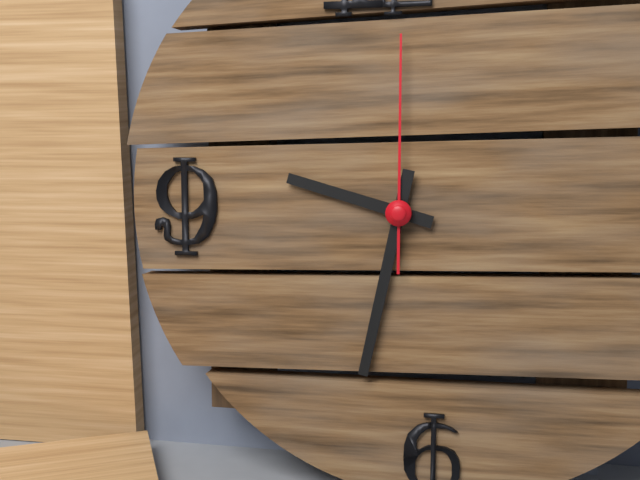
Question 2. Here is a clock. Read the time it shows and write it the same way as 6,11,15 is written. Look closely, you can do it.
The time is 9,32,00
